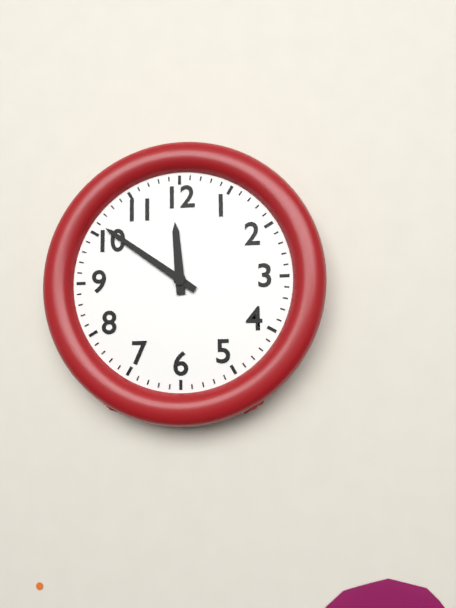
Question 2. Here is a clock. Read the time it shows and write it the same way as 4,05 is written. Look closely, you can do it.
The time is 11,51
